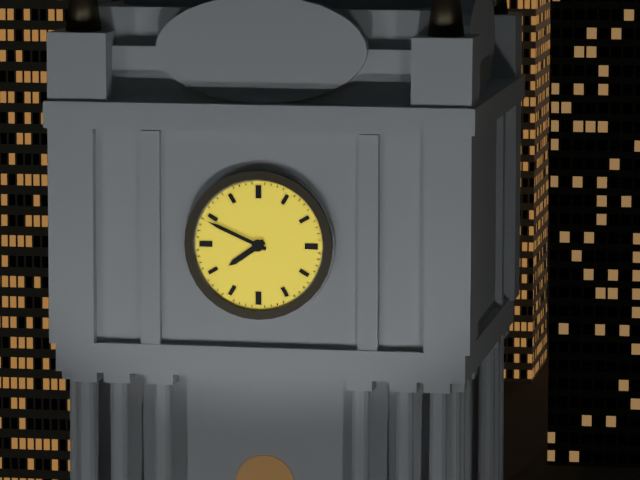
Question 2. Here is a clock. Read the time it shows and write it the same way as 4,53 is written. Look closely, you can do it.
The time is 7,49
